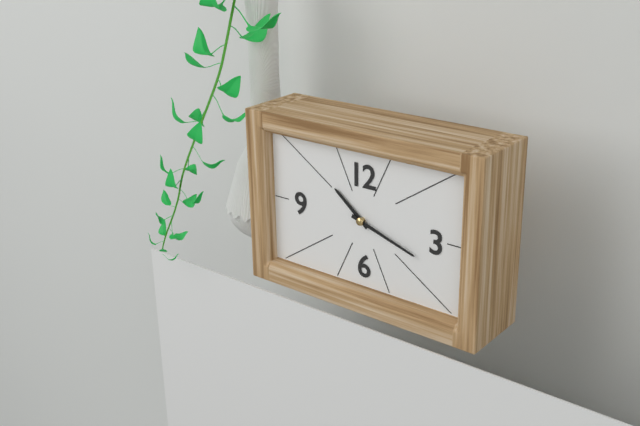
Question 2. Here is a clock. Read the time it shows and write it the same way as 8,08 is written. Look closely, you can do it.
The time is 10,18
